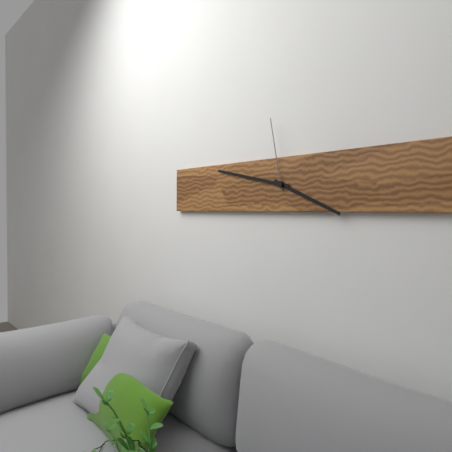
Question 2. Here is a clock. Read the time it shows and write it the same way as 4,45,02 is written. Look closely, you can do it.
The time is 3,47,58
